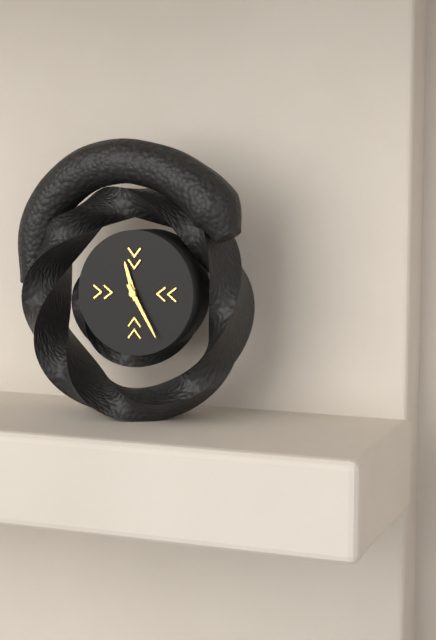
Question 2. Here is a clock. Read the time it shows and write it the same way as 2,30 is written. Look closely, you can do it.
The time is 11,25
